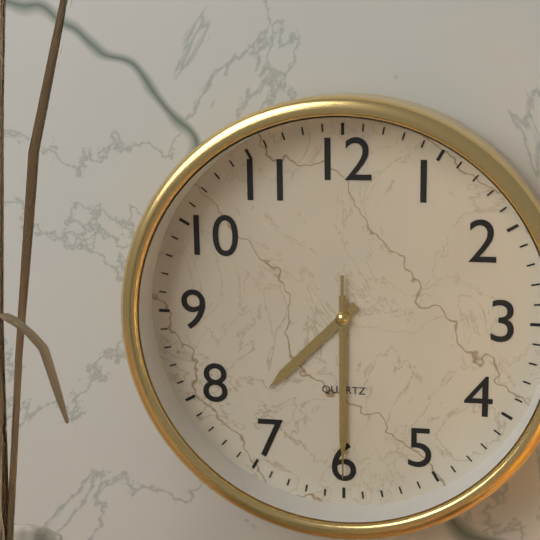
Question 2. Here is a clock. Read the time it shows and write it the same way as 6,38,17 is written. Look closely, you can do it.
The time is 7,30,30
